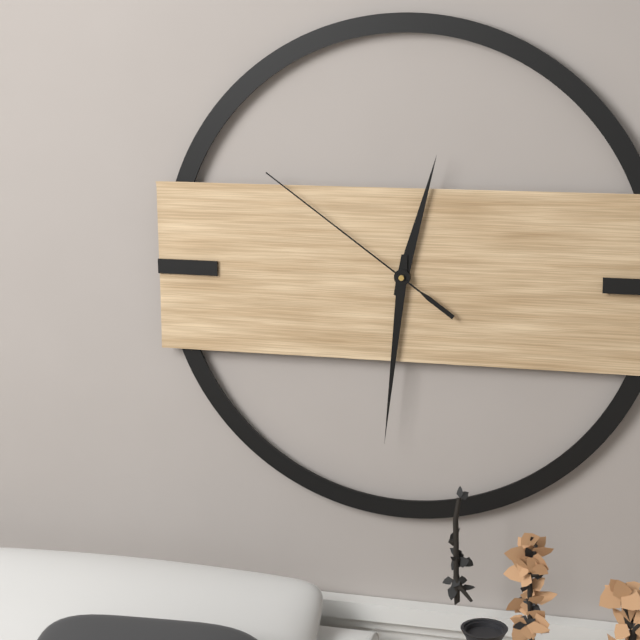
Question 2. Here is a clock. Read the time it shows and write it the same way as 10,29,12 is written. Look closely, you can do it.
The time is 12,31,51
